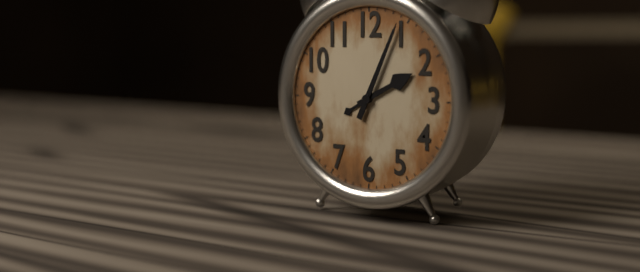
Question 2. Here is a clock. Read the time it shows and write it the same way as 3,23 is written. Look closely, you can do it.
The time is 2,04
